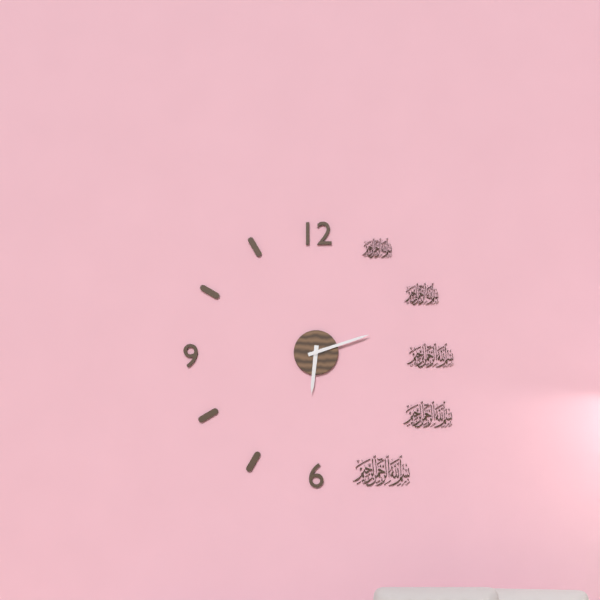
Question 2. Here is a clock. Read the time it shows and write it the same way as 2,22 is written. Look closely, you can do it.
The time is 6,12
